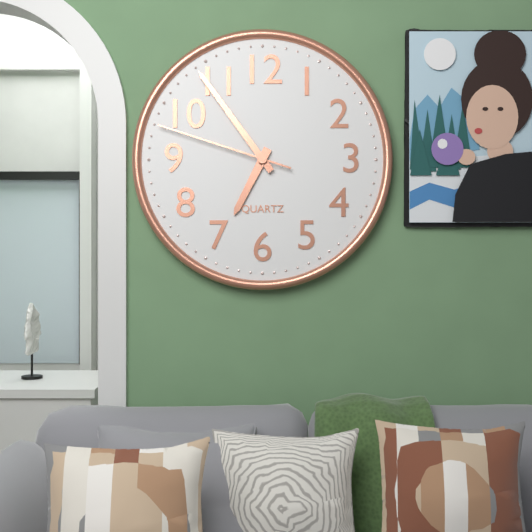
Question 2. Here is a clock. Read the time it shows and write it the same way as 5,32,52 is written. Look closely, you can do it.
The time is 6,54,48
